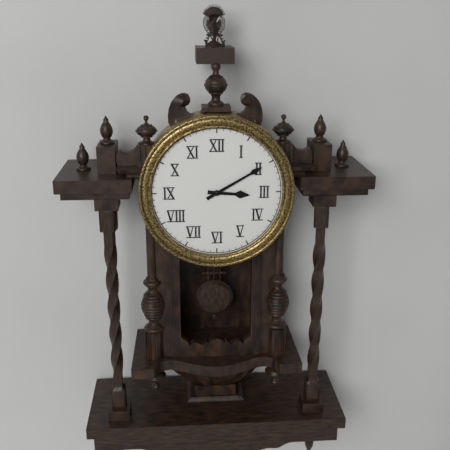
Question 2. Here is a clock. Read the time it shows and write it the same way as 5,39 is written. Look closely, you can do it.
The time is 3,10
